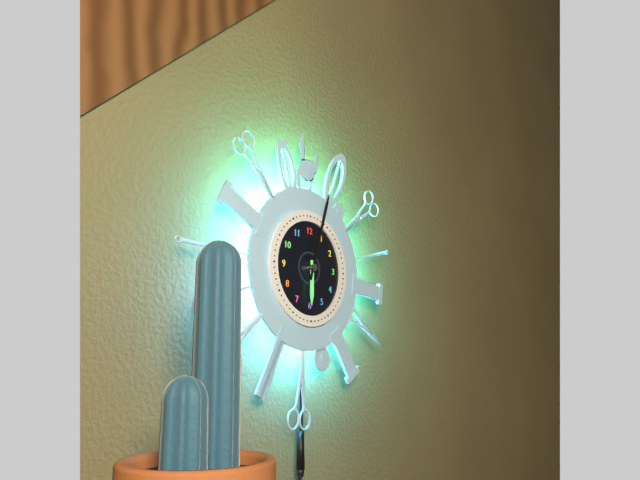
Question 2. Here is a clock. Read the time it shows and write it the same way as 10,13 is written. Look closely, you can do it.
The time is 6,03
